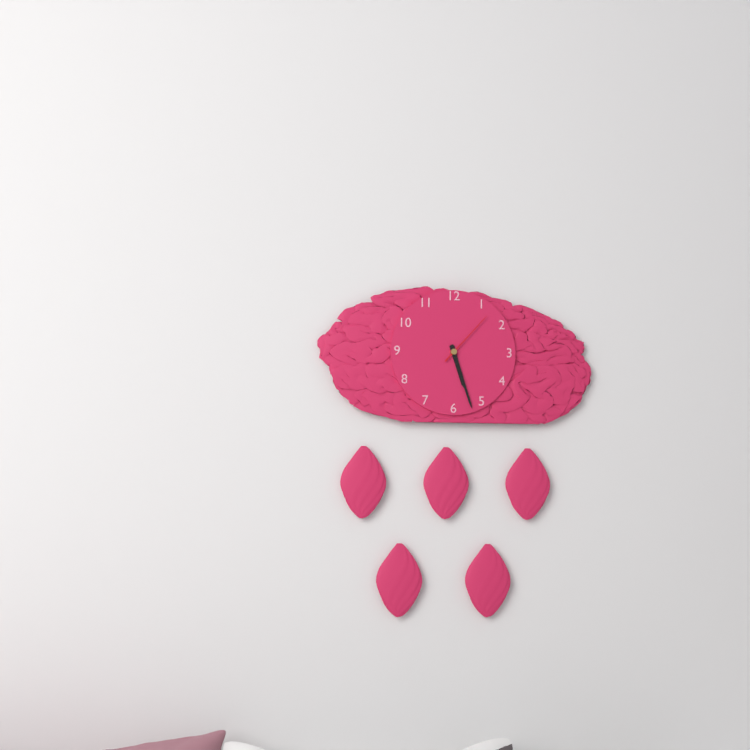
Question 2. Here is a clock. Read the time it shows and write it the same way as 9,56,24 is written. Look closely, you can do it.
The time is 5,27,07
